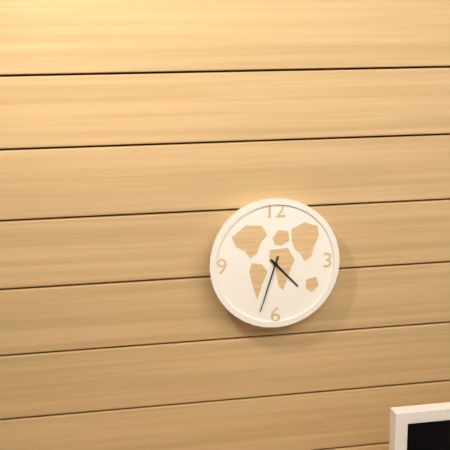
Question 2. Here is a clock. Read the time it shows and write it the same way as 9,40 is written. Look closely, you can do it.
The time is 4,33
